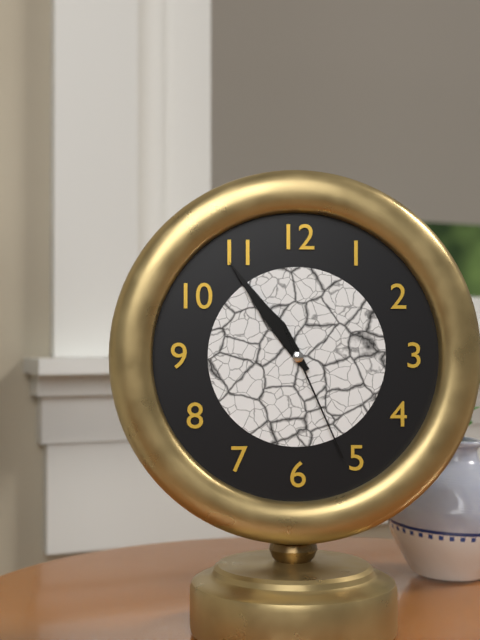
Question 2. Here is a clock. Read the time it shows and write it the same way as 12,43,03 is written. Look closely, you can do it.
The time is 10,54,26
